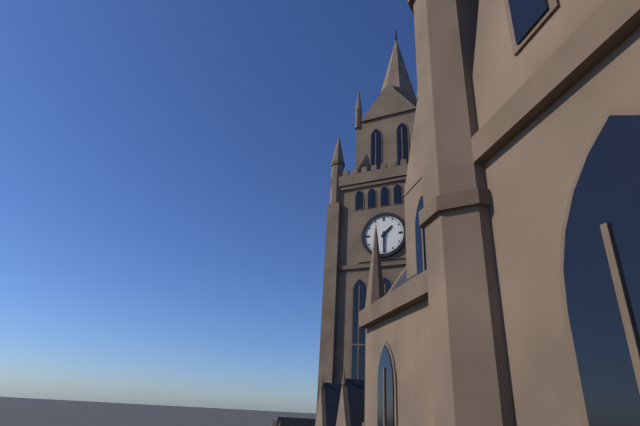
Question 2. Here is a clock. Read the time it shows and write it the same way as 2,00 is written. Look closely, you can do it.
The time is 1,30
